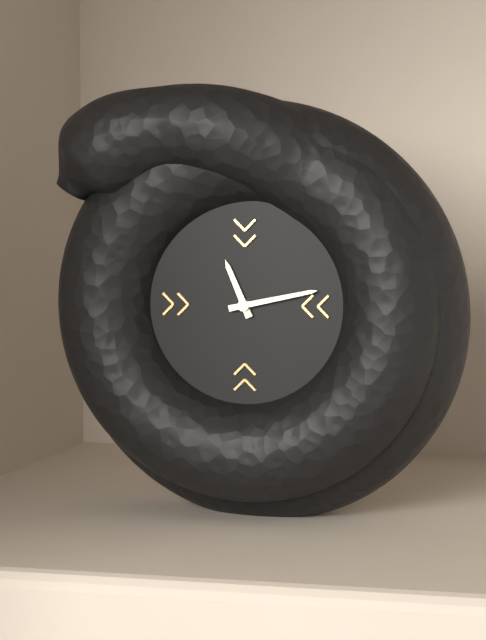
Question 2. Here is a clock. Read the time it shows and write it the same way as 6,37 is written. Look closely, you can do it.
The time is 11,13
